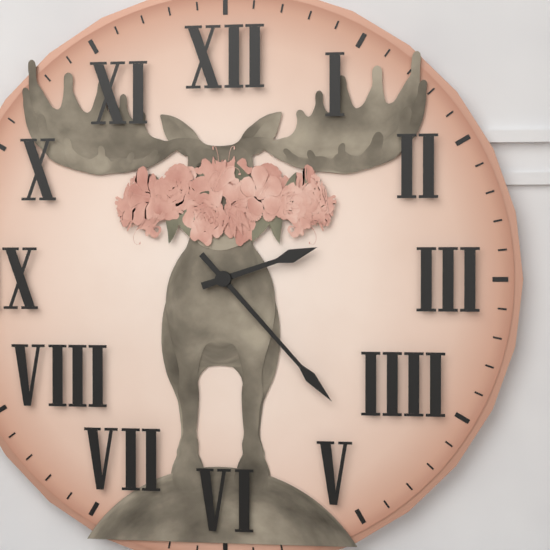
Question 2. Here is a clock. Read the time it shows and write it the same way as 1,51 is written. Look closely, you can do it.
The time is 2,23
